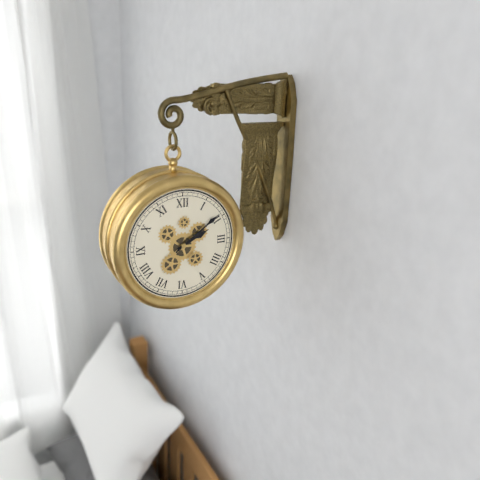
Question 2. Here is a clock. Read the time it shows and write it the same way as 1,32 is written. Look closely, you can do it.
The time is 2,09
